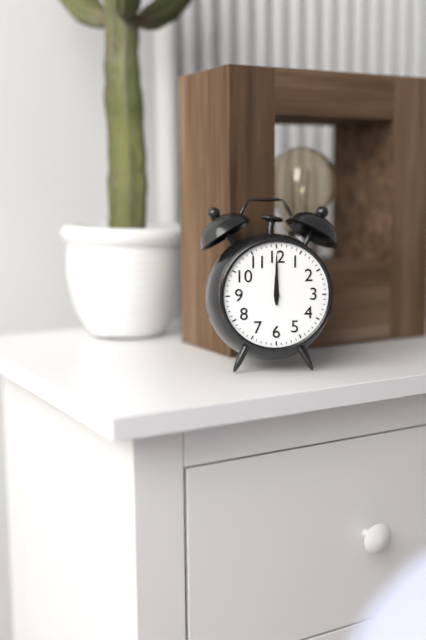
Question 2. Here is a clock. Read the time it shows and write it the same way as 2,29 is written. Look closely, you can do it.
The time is 12,00
